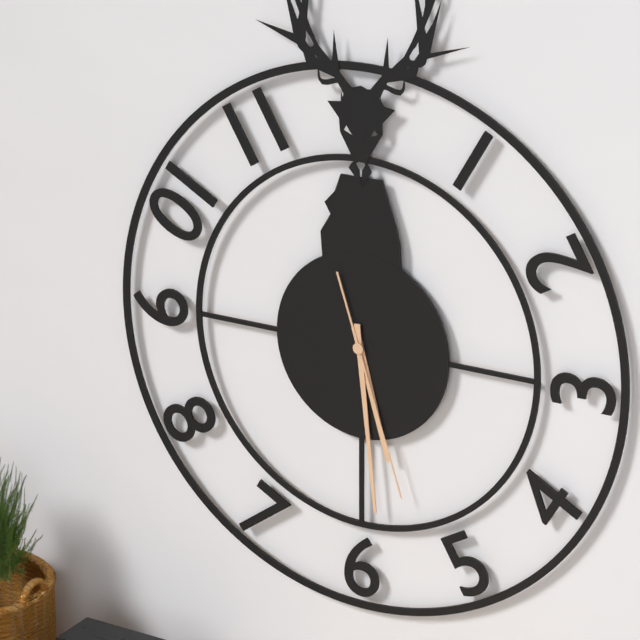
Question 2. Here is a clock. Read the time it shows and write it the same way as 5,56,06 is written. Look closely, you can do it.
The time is 5,29,27
